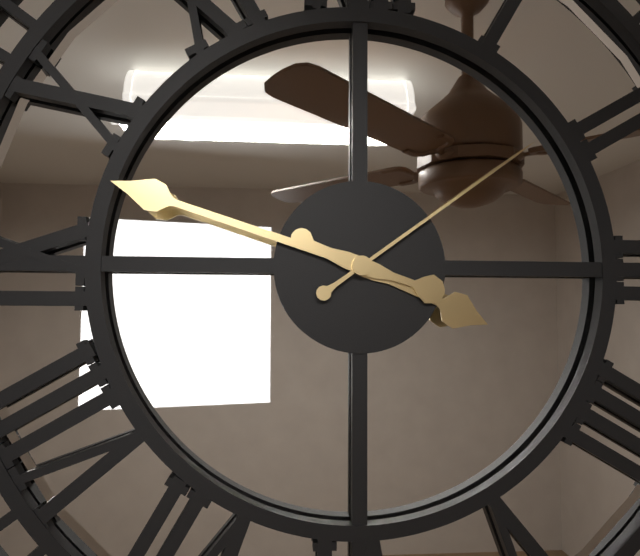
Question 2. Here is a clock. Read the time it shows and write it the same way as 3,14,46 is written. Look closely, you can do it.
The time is 3,48,09
